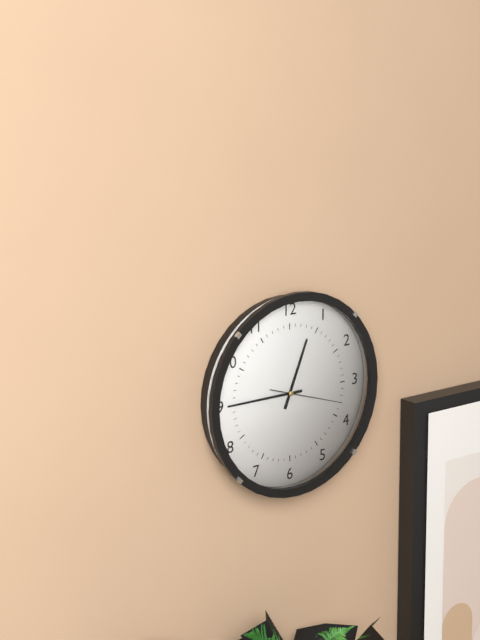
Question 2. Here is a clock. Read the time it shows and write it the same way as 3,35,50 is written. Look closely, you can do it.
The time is 12,45,18
